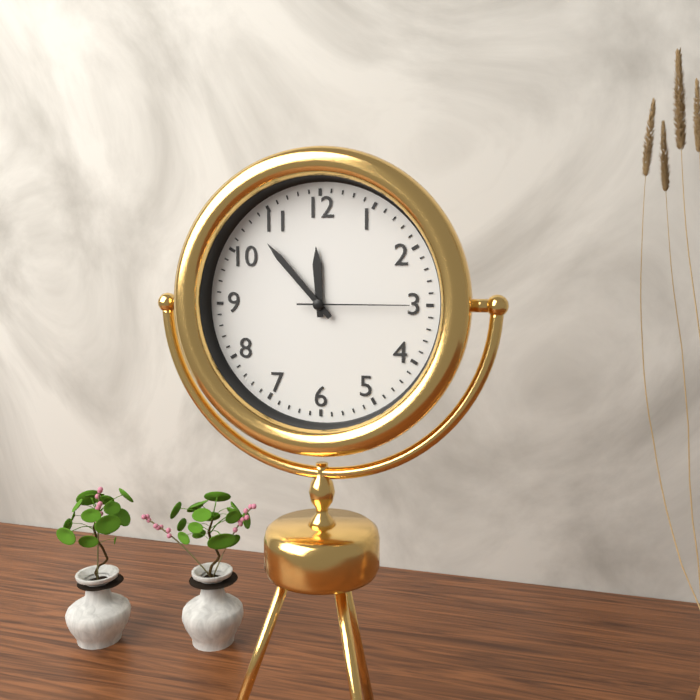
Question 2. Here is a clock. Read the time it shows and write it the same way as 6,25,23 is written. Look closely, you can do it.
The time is 11,53,15
